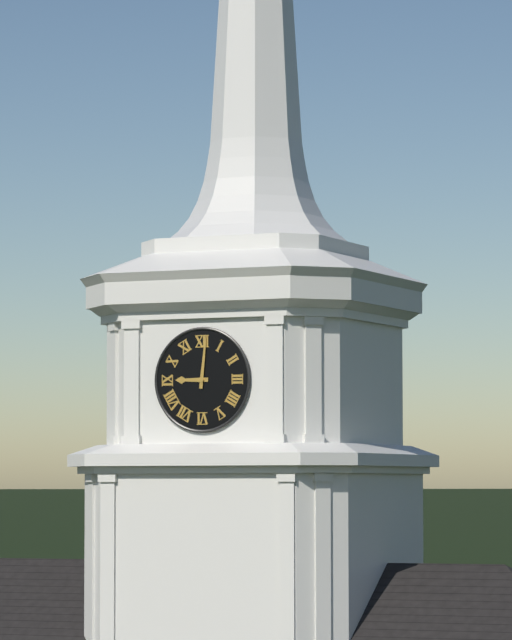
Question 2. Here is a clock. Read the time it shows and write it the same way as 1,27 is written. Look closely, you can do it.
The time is 9,01
